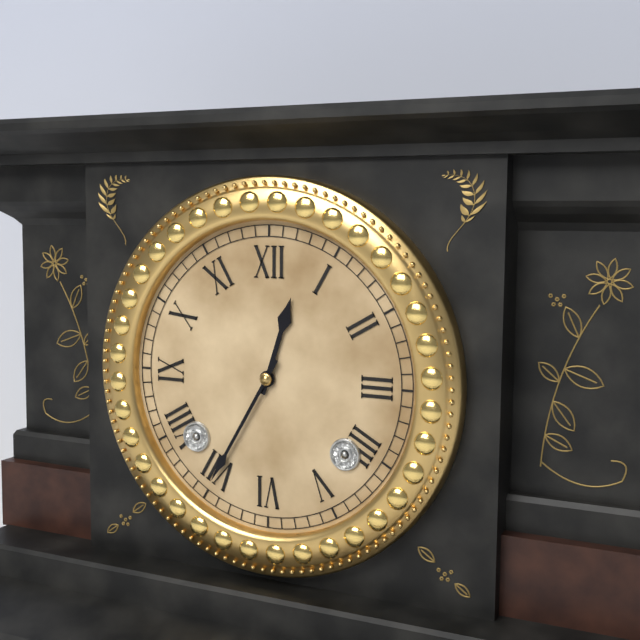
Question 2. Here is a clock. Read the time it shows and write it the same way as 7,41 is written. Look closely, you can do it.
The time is 12,35
